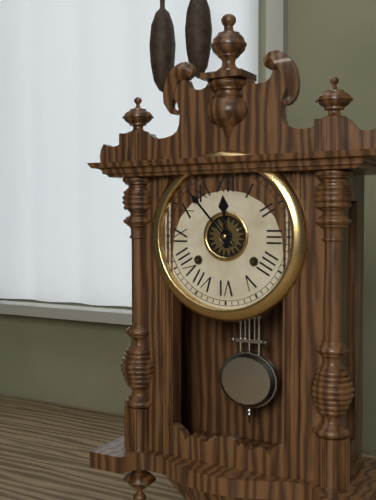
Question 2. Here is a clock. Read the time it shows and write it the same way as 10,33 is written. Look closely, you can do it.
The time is 11,53
